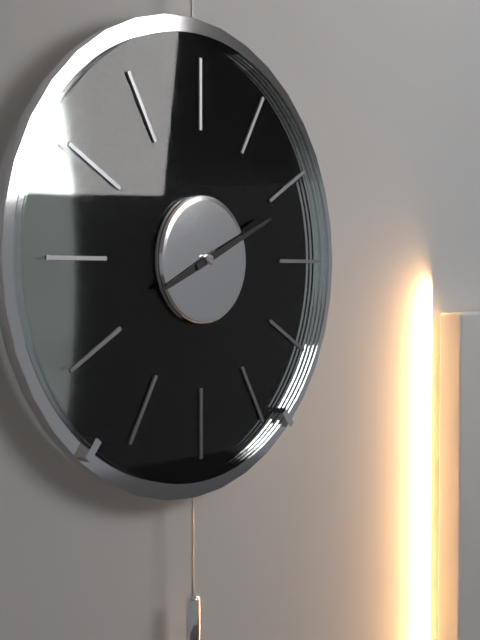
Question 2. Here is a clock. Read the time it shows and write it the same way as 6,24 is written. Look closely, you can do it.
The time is 8,11
